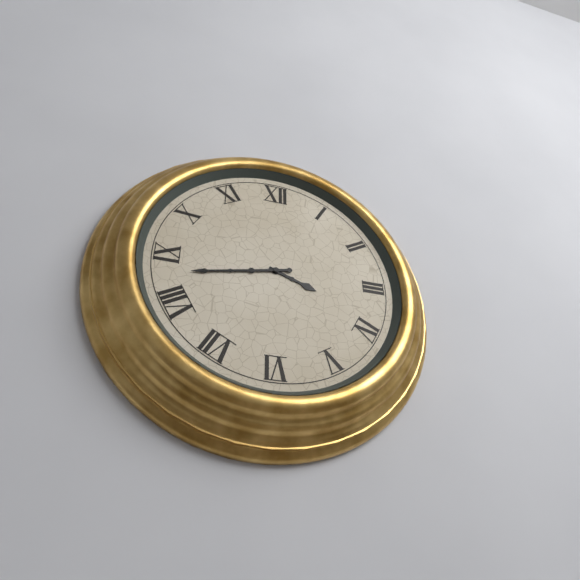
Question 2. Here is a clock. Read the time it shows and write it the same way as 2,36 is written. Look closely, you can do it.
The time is 3,43
